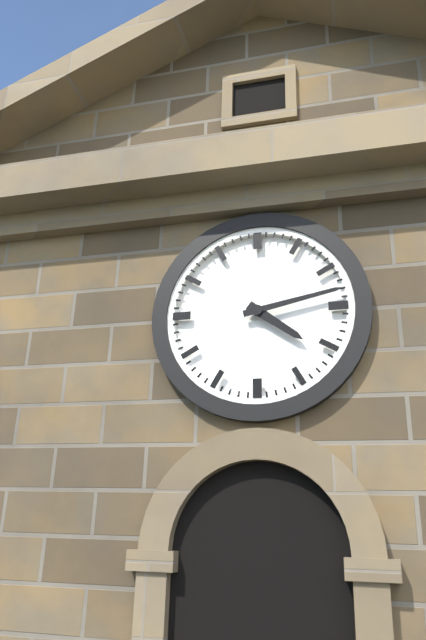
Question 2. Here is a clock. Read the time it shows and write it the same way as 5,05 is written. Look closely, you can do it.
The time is 4,13
